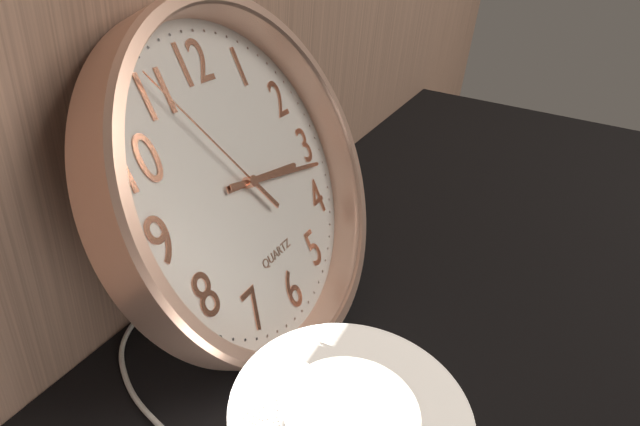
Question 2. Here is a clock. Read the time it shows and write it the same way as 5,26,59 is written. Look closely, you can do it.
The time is 3,17,55
